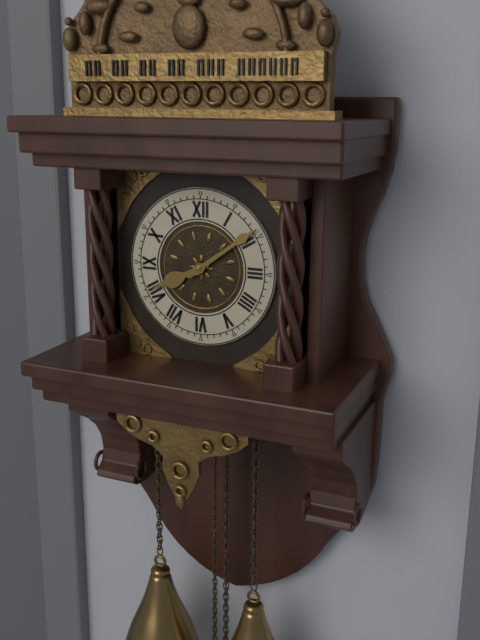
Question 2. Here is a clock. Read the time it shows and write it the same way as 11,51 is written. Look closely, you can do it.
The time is 8,09
